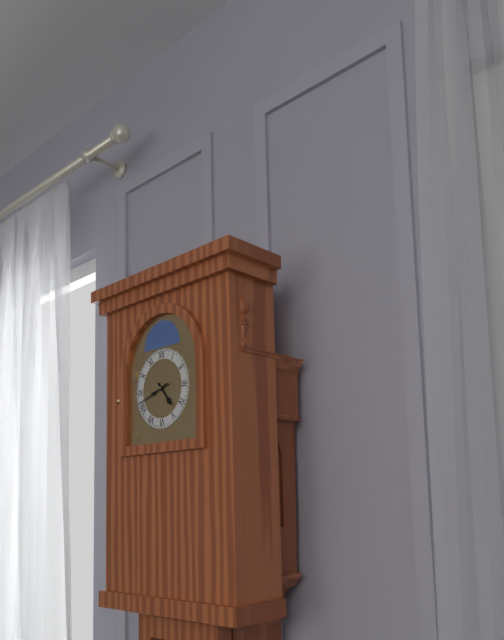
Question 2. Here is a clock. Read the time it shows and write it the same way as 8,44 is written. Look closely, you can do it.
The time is 4,42
